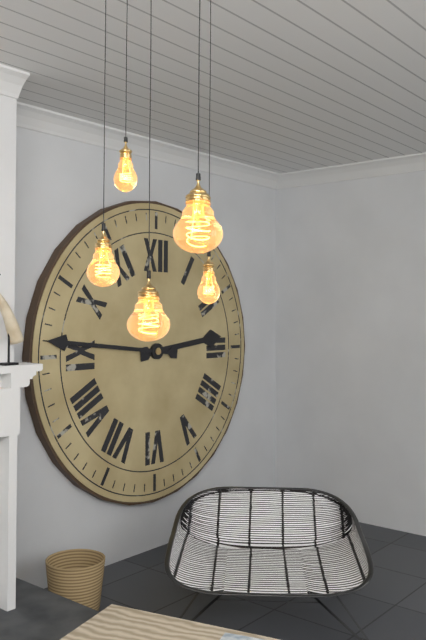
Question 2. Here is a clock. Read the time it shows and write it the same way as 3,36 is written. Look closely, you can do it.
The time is 2,46
